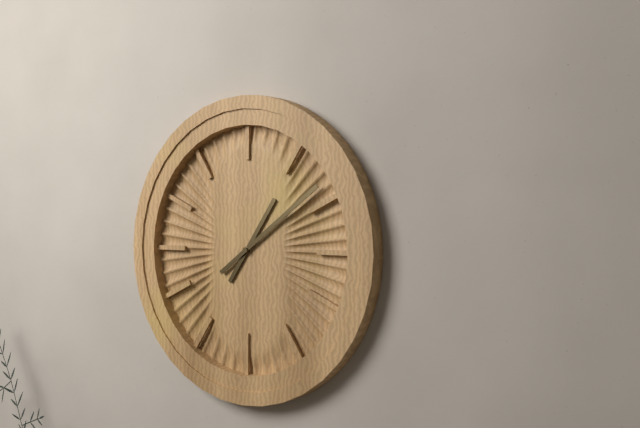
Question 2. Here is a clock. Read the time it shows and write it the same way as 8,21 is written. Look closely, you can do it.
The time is 1,09
